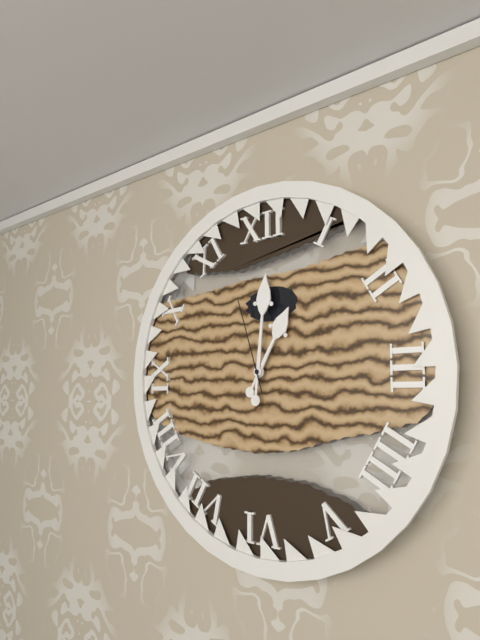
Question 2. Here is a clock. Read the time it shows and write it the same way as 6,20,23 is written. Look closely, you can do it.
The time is 1,01,57
